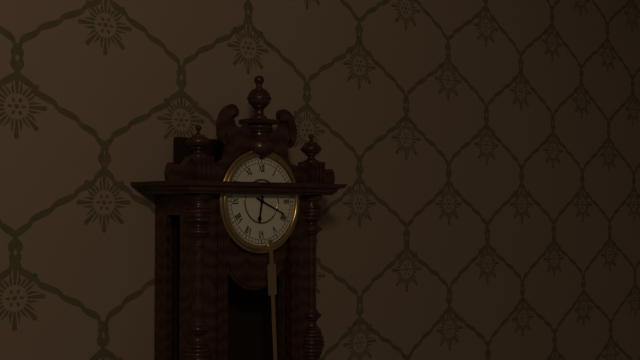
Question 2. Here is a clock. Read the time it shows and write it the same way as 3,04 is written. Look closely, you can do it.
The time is 6,19
